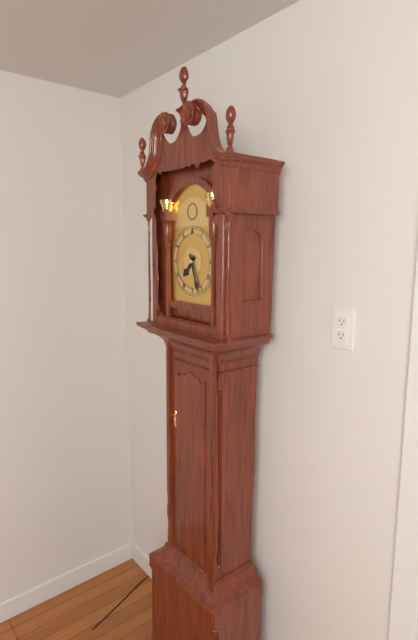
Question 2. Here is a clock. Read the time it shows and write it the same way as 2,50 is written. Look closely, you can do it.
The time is 7,27
